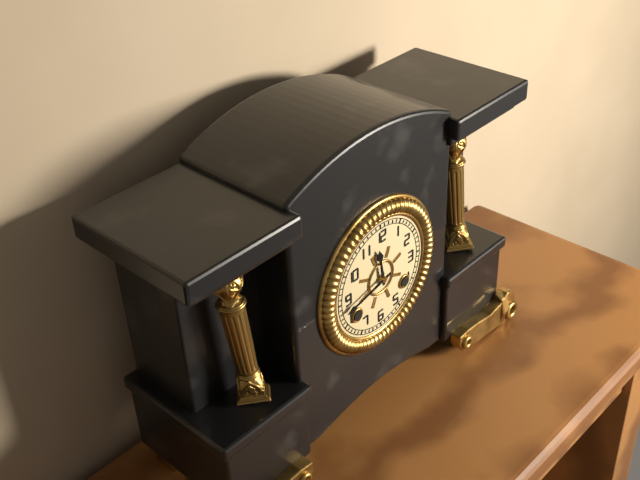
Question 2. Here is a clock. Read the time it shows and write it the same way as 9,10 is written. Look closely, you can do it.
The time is 11,43
